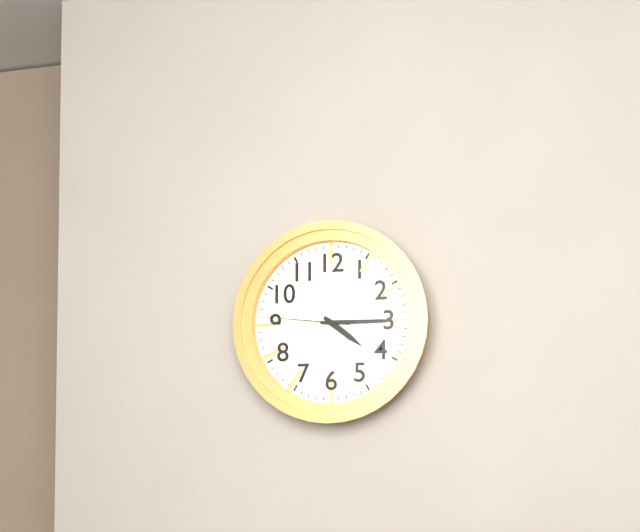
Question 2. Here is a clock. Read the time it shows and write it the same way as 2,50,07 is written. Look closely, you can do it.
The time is 4,15,46
